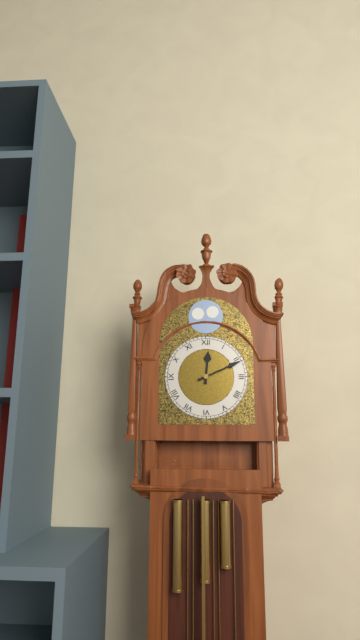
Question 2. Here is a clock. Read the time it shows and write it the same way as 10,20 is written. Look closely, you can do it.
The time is 12,11
